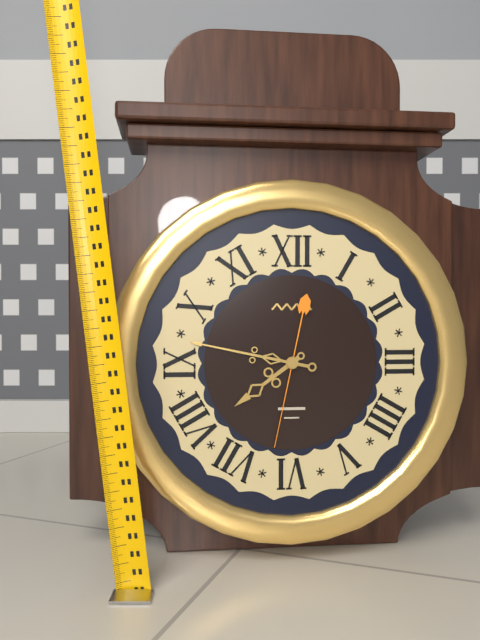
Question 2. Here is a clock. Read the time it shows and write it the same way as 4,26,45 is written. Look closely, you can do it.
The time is 7,47,32
